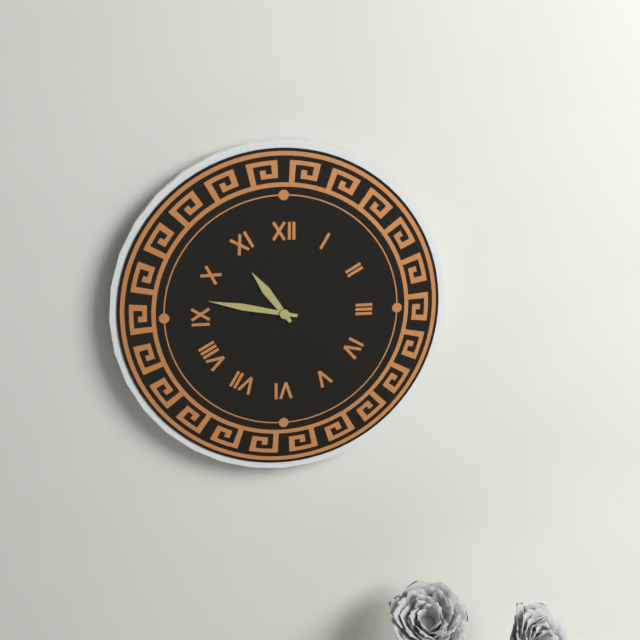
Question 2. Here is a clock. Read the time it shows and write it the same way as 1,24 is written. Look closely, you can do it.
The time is 10,47
